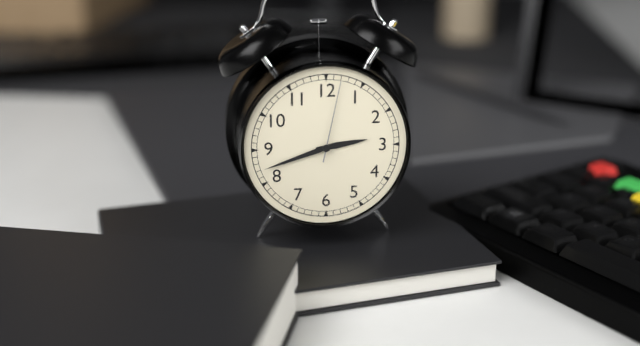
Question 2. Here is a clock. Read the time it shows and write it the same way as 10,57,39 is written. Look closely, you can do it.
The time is 2,42,02
